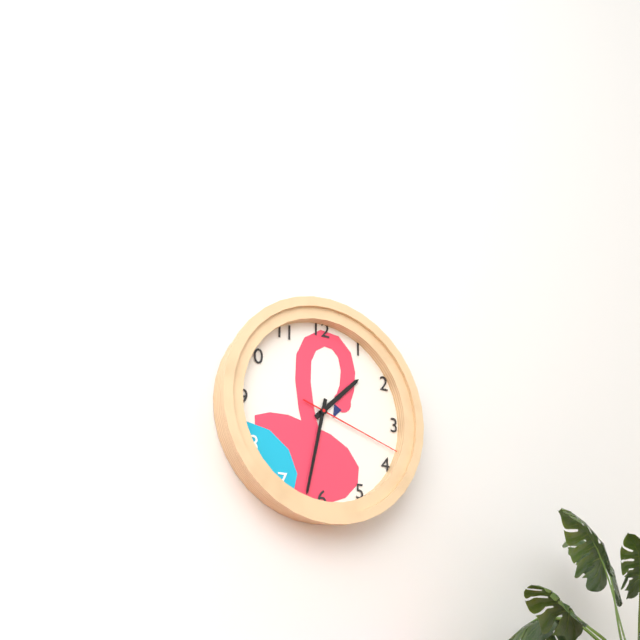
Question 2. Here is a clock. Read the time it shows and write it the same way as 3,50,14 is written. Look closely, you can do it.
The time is 1,32,18
